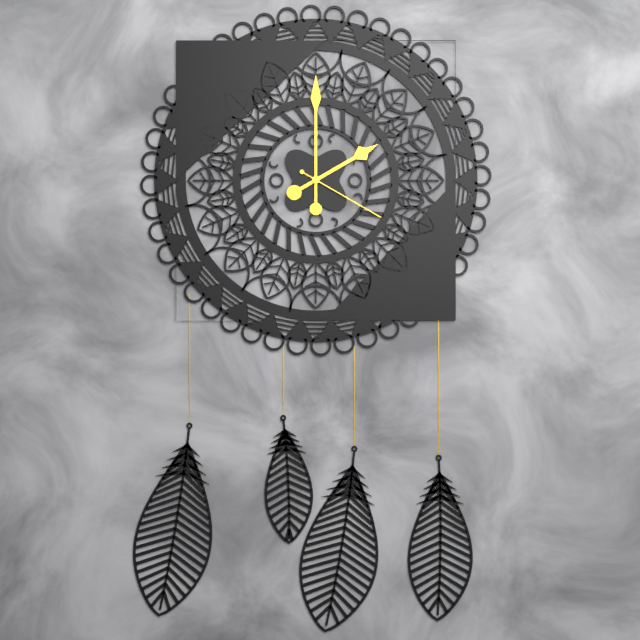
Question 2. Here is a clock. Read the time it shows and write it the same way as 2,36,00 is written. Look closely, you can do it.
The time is 2,00,20
